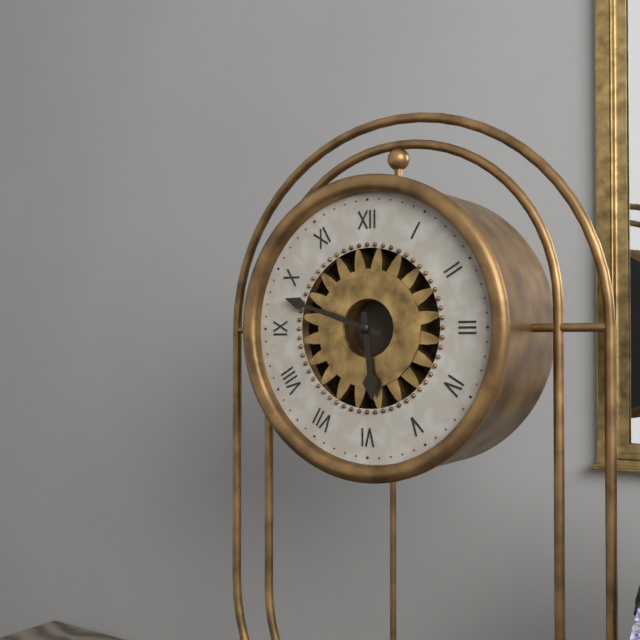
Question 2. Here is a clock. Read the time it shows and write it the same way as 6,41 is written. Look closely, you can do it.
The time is 5,48
